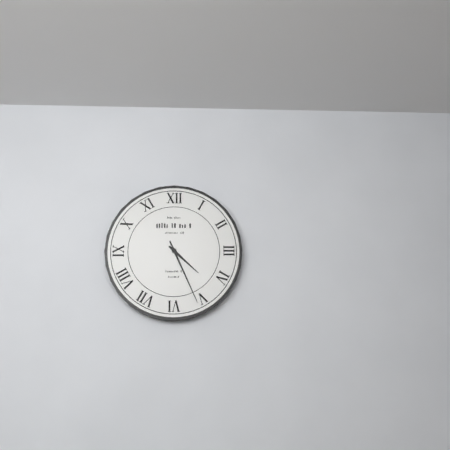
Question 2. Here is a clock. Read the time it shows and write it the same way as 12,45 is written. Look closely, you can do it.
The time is 4,26
